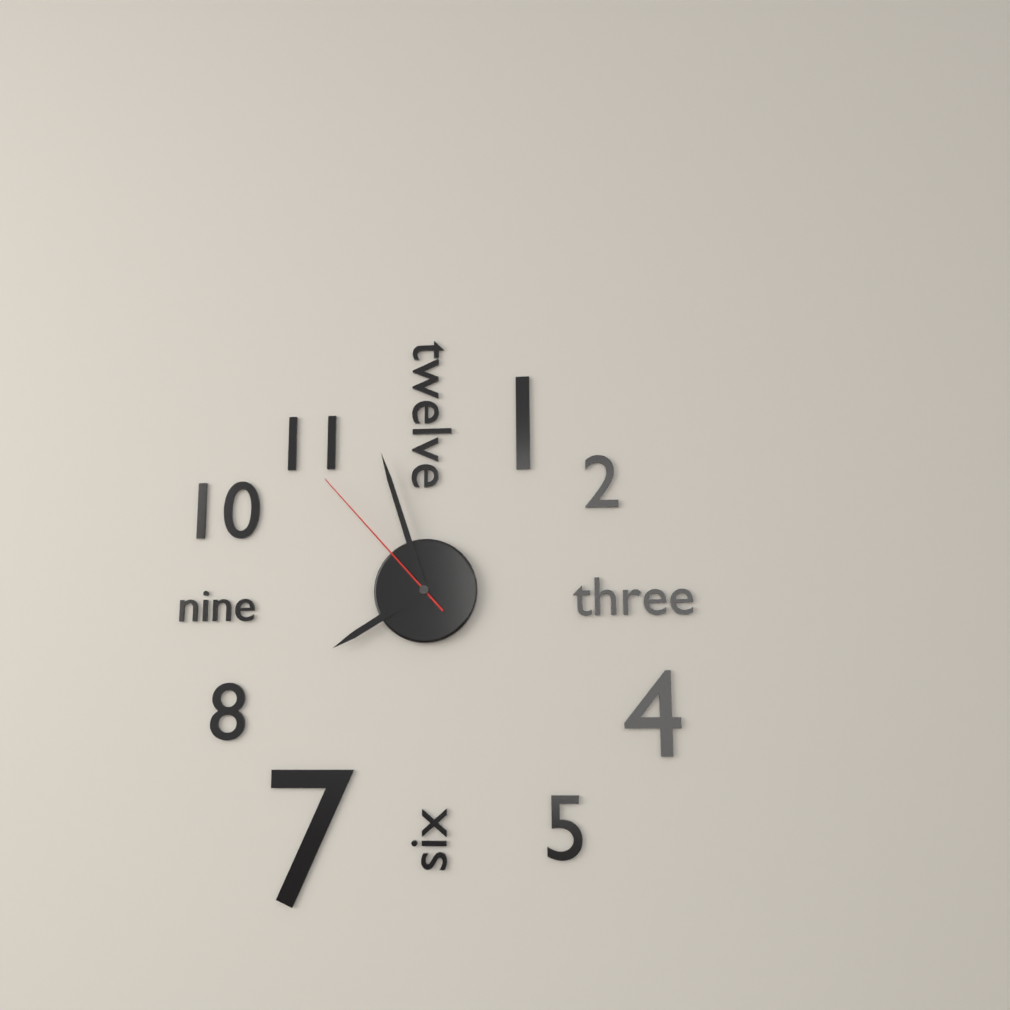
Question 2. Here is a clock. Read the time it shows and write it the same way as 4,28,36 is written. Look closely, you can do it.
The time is 7,57,53
